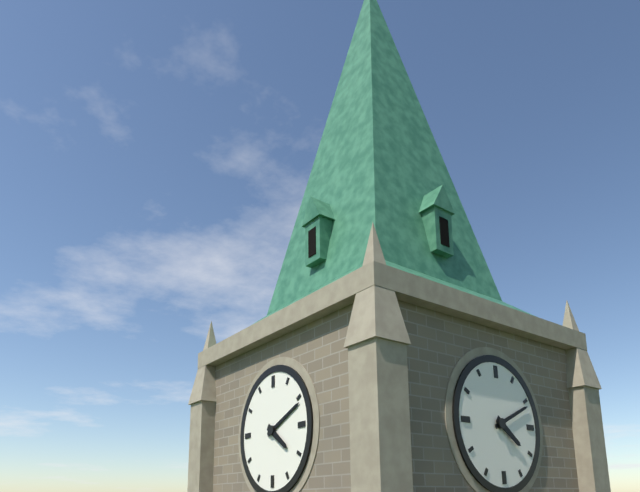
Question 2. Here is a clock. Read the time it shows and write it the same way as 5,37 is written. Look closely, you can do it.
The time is 4,11
